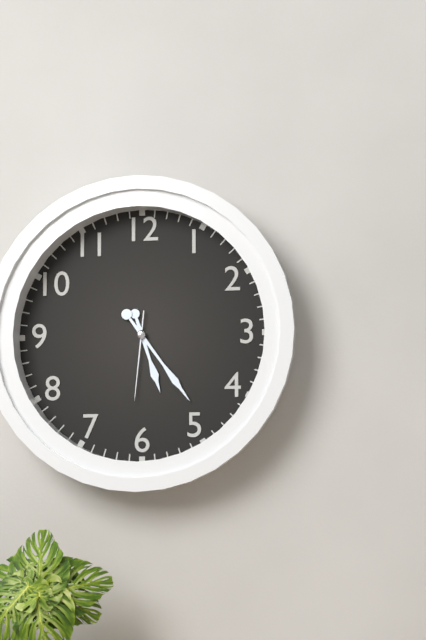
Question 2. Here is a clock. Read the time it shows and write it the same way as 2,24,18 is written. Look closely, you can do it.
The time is 5,24,31
